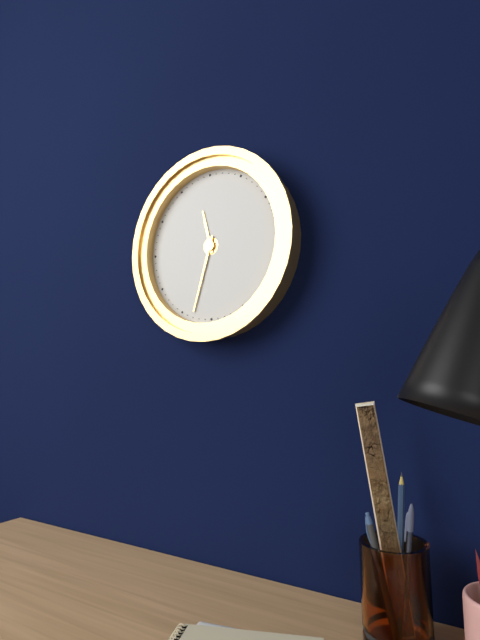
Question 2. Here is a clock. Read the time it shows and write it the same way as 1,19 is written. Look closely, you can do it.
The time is 11,33
